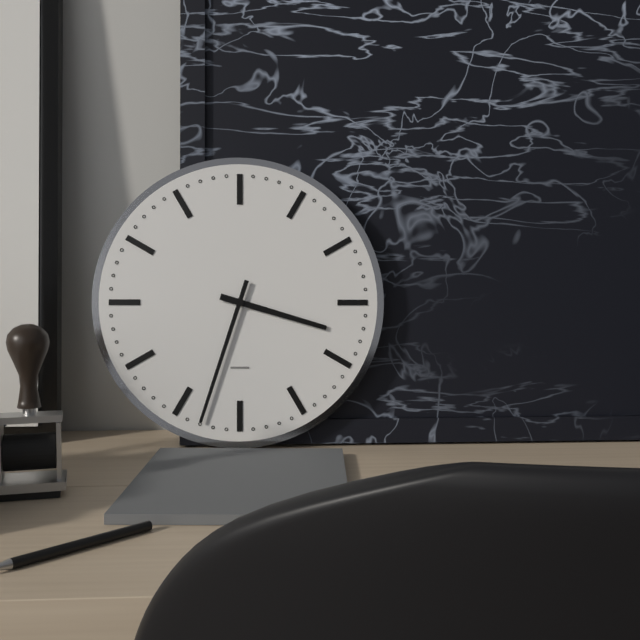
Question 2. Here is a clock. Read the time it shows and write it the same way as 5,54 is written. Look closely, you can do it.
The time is 3,33
